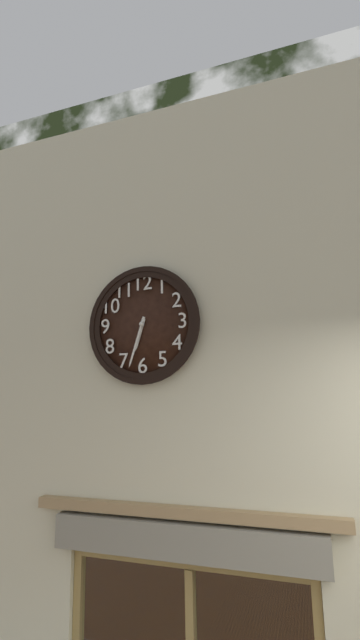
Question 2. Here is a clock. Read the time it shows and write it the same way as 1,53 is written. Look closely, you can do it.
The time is 6,33
